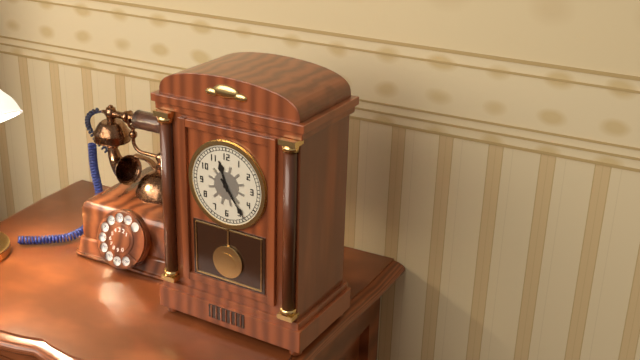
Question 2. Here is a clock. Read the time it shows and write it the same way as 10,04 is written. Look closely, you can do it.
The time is 11,24
